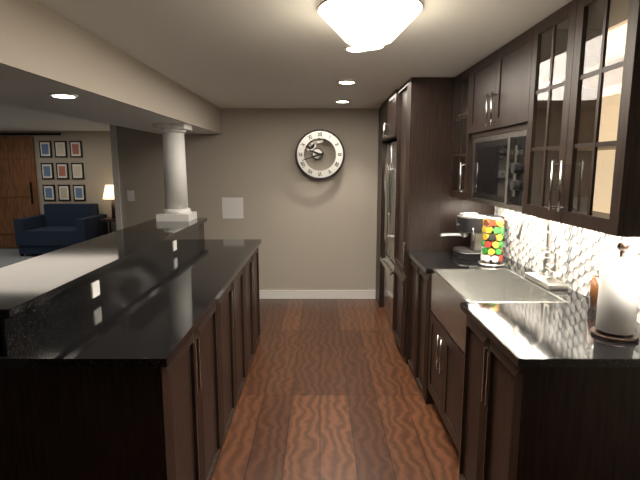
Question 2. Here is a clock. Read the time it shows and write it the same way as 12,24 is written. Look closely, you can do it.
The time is 9,42
